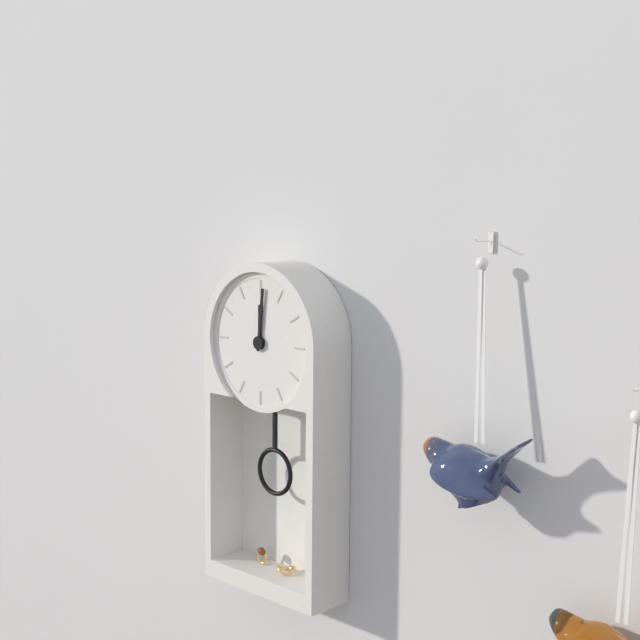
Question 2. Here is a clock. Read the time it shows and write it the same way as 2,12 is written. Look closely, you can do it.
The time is 12,01
